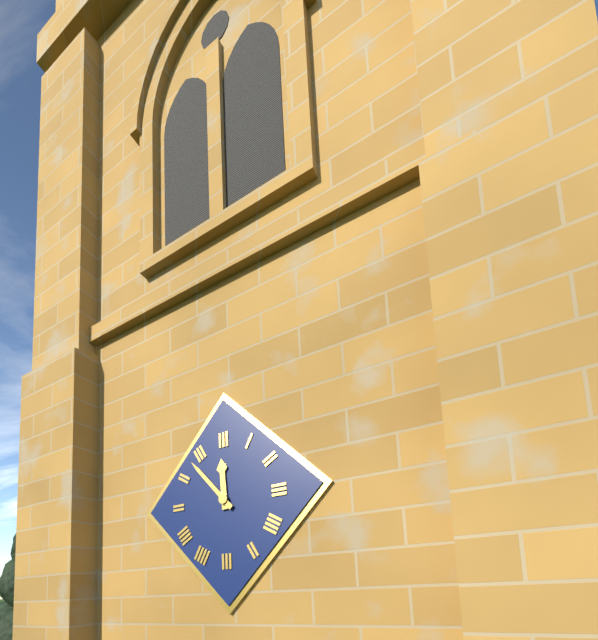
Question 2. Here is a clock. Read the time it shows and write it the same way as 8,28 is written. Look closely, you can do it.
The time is 11,53
